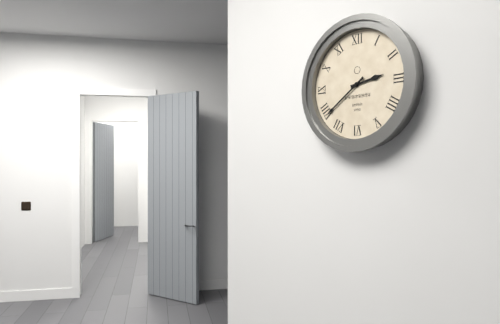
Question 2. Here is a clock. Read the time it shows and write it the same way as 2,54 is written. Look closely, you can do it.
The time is 2,39
